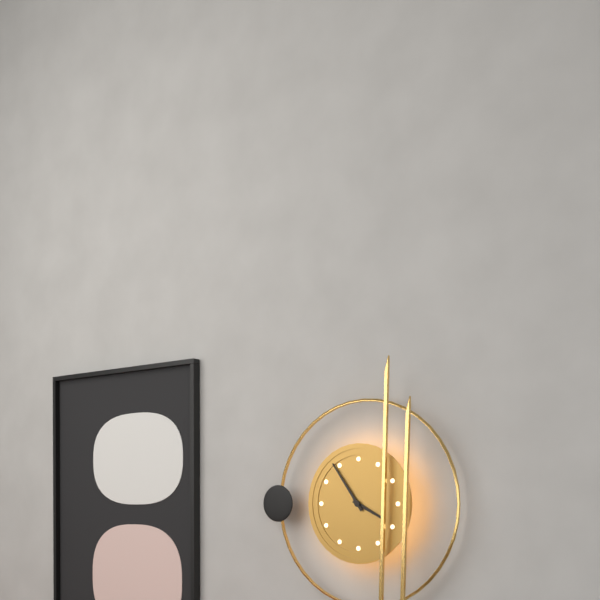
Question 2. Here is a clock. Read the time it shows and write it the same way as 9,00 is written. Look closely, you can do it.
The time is 3,54
